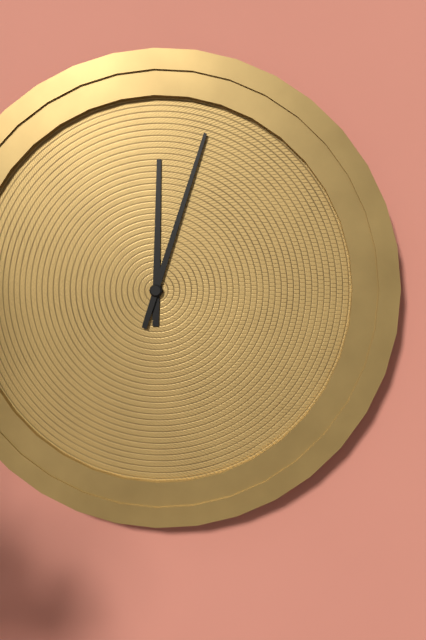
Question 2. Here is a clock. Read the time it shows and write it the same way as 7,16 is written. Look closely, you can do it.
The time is 12,03
